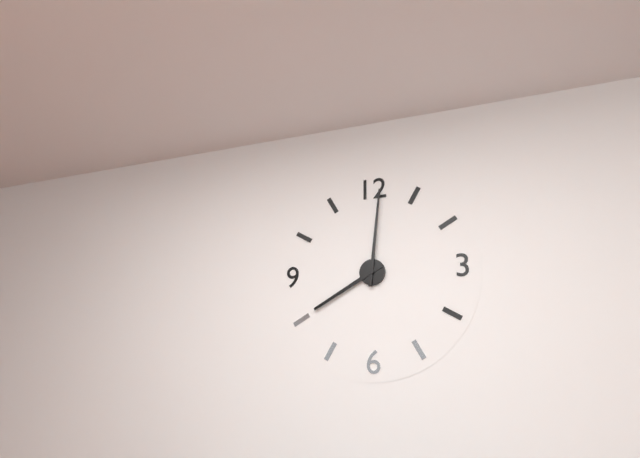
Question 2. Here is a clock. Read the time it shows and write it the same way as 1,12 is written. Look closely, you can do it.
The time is 8,01
